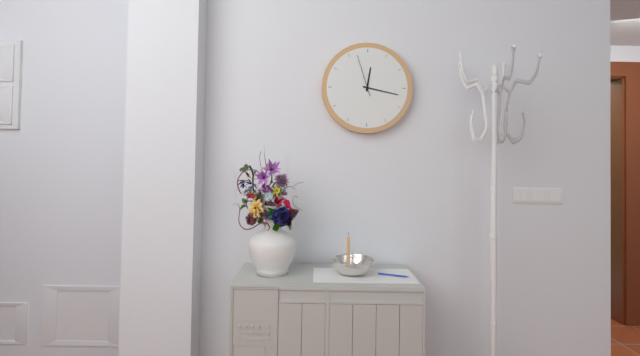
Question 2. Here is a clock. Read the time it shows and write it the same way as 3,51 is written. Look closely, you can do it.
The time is 12,17
